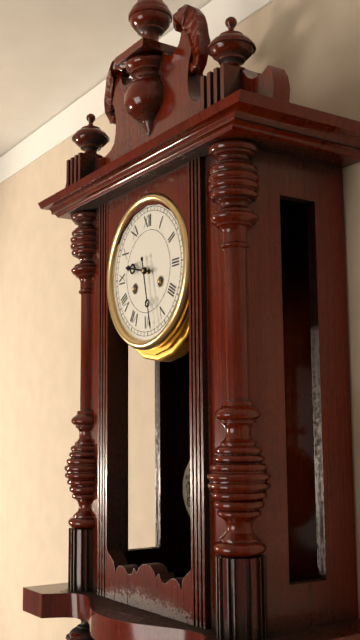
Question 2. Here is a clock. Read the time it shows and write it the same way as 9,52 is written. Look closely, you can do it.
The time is 9,28
